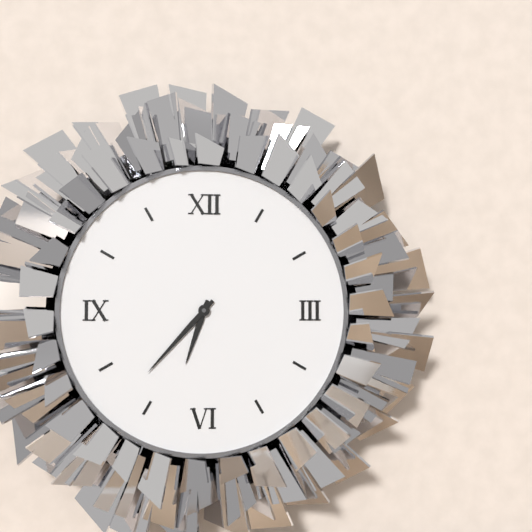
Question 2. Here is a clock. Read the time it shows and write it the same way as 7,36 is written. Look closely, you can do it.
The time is 6,37
